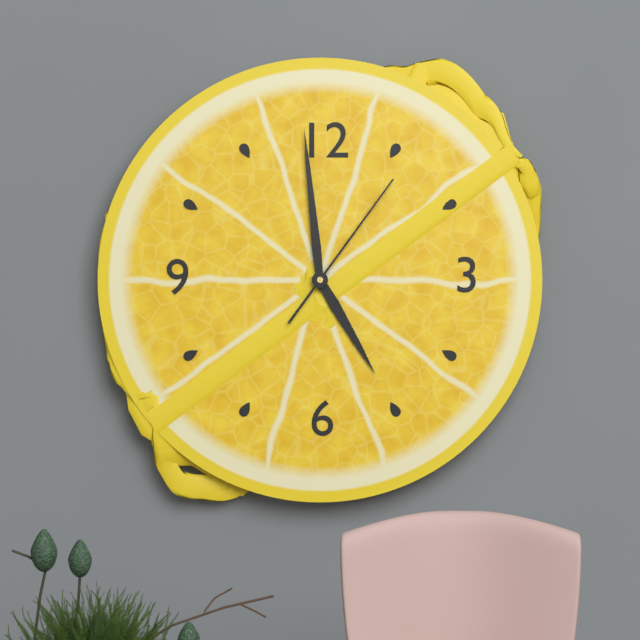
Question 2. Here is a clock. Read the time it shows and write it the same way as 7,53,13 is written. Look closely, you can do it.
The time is 4,59,06
